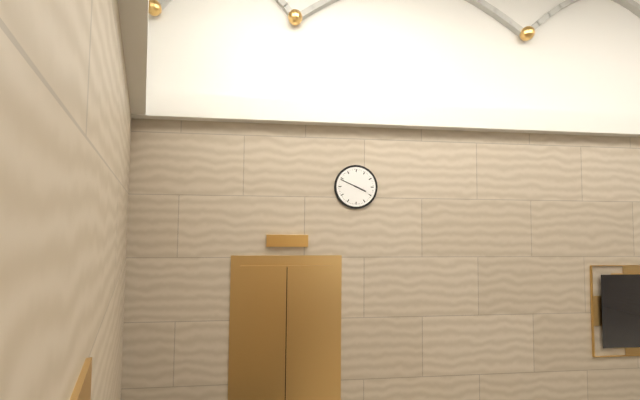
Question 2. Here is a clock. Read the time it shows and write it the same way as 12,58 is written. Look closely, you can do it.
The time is 3,49
